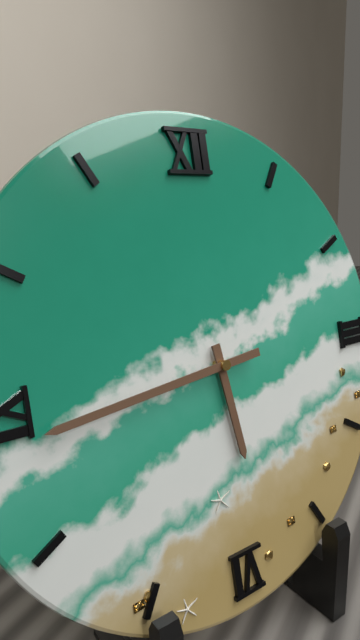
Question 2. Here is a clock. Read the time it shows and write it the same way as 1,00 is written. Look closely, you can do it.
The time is 5,44
